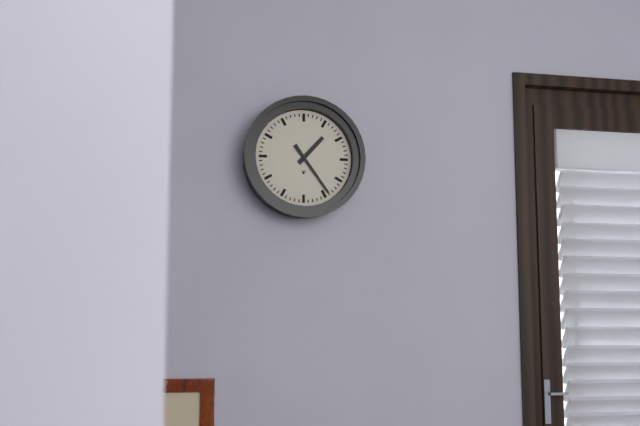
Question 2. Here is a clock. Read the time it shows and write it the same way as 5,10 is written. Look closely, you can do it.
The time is 1,24
